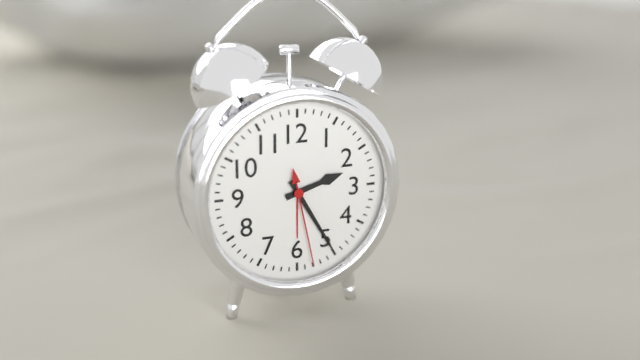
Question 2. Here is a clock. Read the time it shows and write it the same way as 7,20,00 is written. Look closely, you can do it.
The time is 2,25,28
